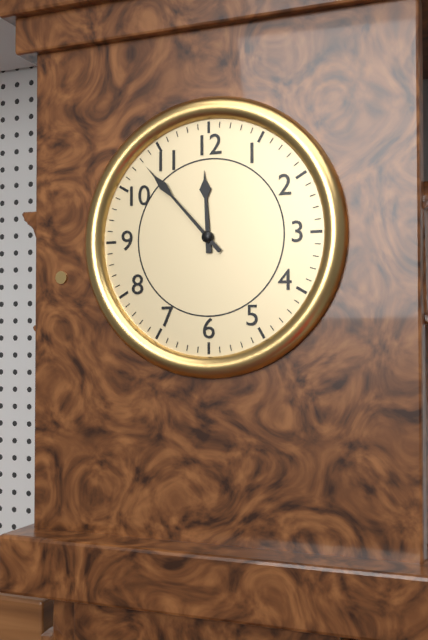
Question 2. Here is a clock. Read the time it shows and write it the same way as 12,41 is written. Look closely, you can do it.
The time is 11,53
